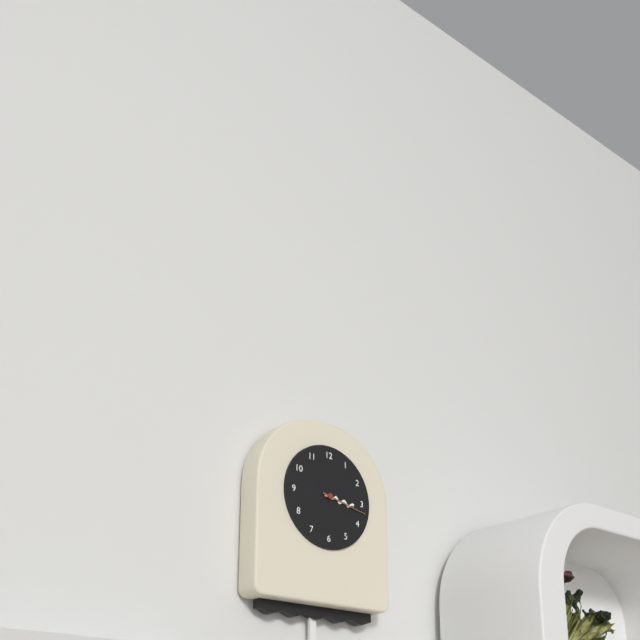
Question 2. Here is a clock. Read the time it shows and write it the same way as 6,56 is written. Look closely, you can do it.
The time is 3,17
